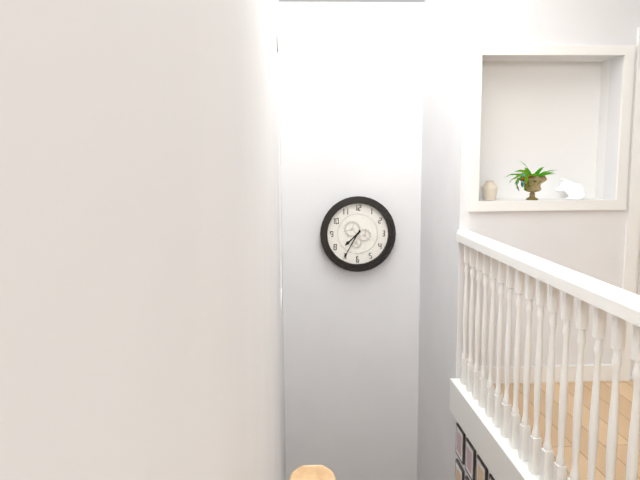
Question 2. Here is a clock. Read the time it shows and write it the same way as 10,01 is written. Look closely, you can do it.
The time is 7,35
